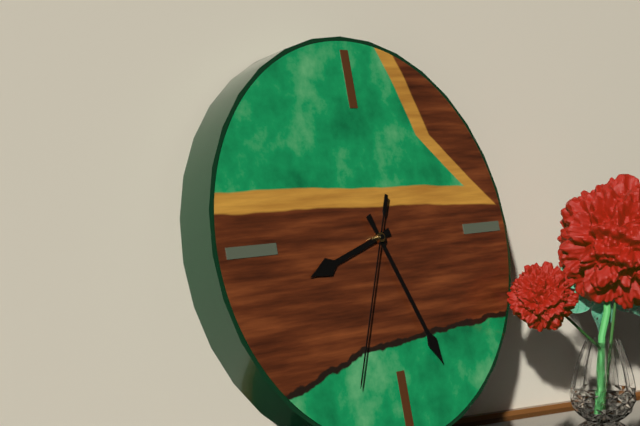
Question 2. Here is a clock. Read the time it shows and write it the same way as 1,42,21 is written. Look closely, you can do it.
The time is 8,26,34
